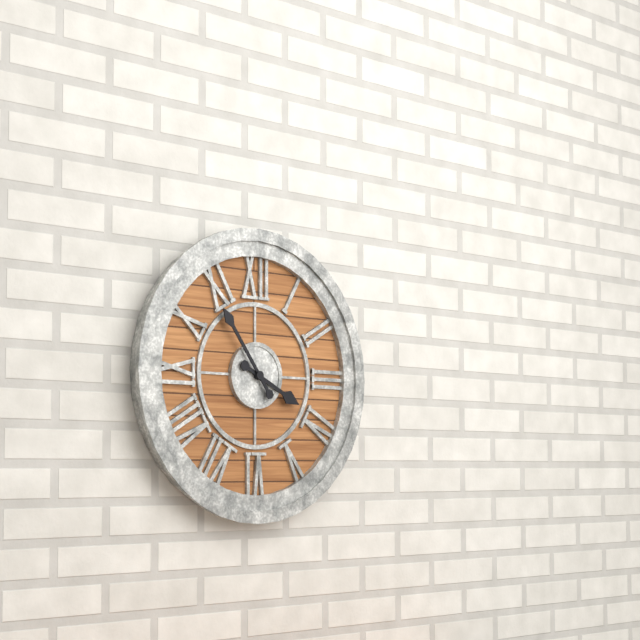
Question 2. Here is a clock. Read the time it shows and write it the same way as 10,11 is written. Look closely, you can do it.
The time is 3,54
